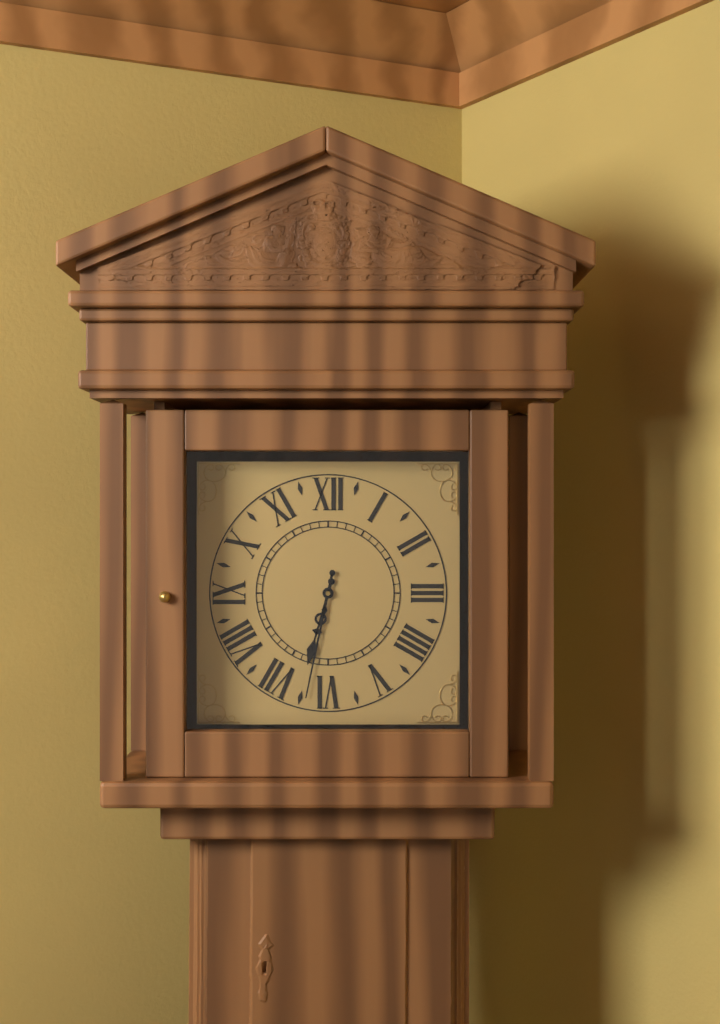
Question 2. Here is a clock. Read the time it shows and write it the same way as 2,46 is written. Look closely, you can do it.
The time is 6,32
